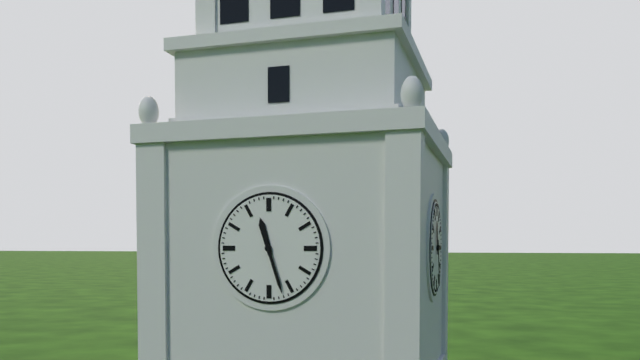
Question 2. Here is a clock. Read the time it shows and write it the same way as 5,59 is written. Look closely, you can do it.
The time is 11,27
